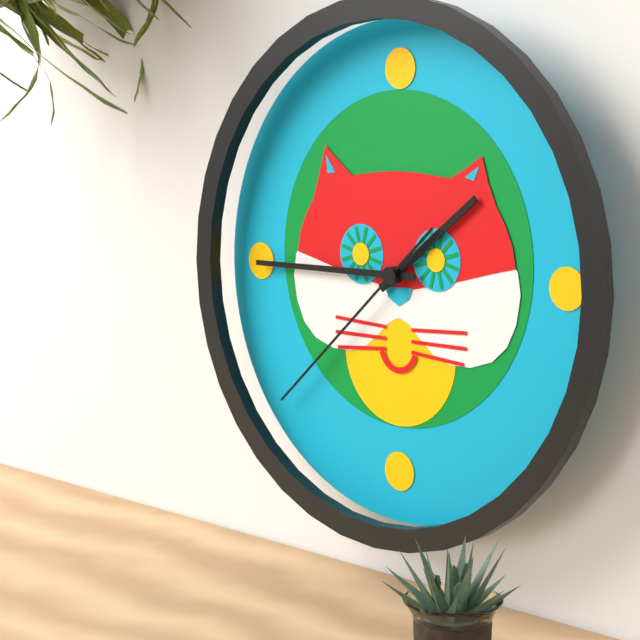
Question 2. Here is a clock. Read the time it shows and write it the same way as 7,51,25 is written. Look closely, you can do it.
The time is 1,45,38
